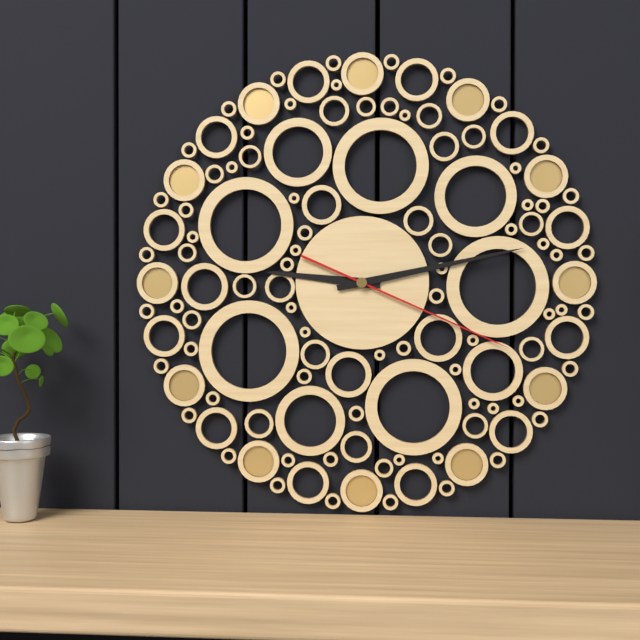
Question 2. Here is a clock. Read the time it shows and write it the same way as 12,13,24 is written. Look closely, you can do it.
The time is 9,13,19
